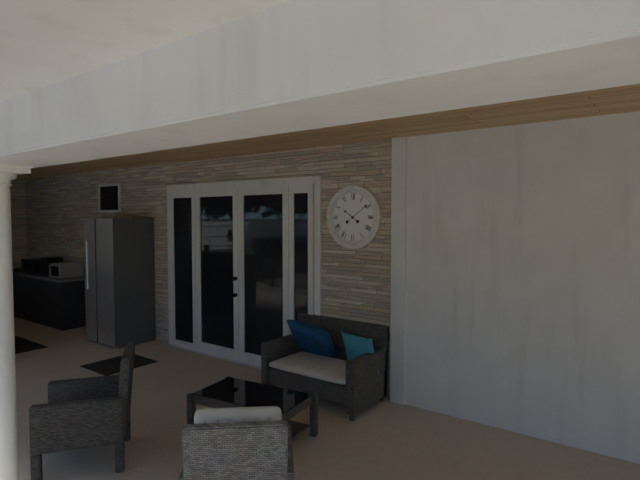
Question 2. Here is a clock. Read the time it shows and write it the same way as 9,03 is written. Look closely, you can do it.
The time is 10,09
